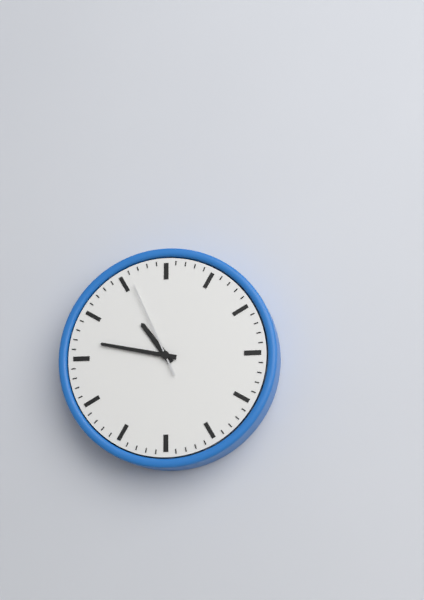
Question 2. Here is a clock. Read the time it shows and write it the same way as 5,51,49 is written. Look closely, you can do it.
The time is 10,47,56
